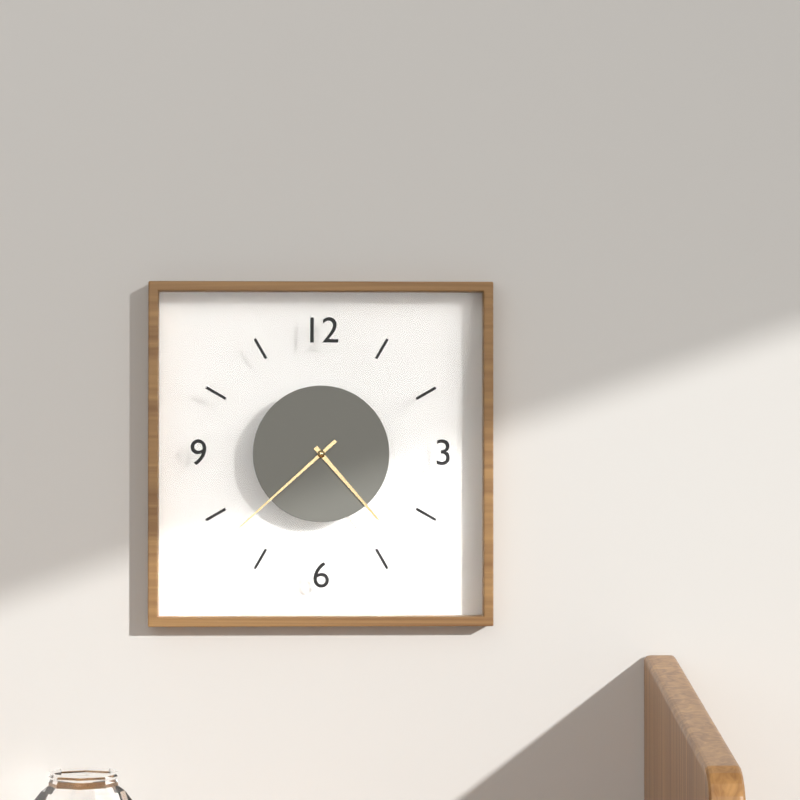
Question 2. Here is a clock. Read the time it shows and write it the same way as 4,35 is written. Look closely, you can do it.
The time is 4,38
